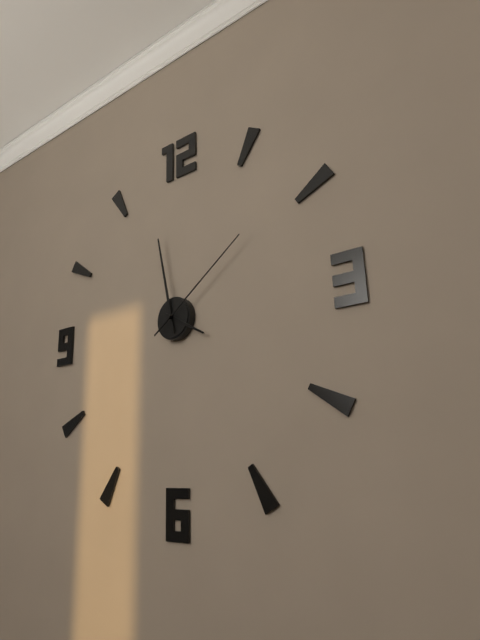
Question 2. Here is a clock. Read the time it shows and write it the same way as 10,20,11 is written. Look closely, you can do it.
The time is 3,58,09
